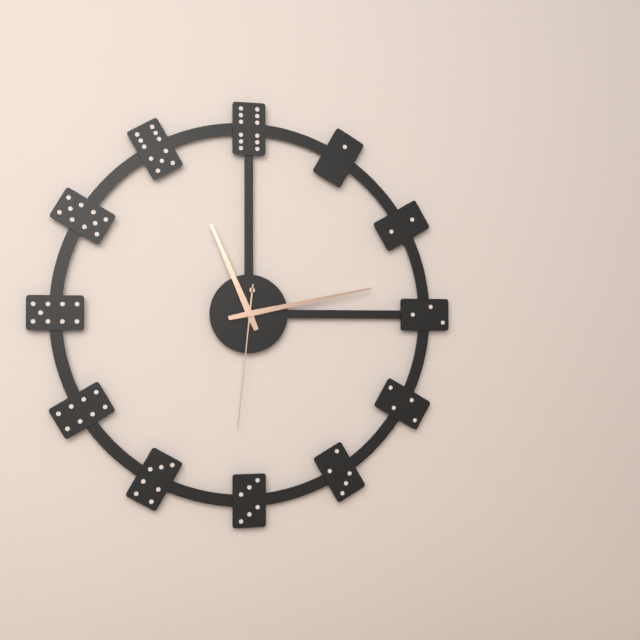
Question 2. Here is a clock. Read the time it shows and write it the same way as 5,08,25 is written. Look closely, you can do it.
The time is 11,13,31
